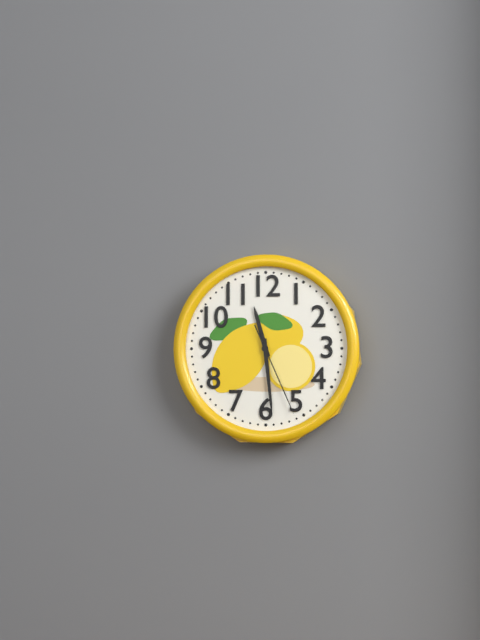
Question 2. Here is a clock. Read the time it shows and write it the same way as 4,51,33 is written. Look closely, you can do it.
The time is 11,29,26
